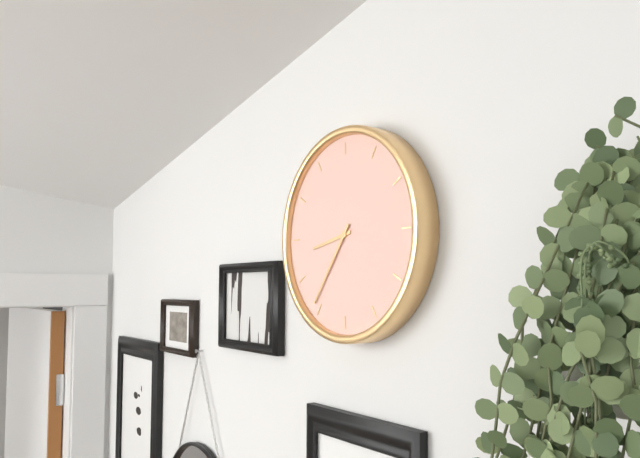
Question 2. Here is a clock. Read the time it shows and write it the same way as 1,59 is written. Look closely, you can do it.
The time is 8,36
